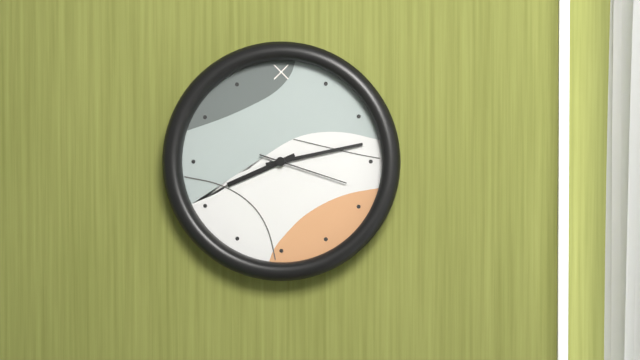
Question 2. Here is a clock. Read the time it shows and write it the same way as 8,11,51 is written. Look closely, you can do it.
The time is 8,13,18
